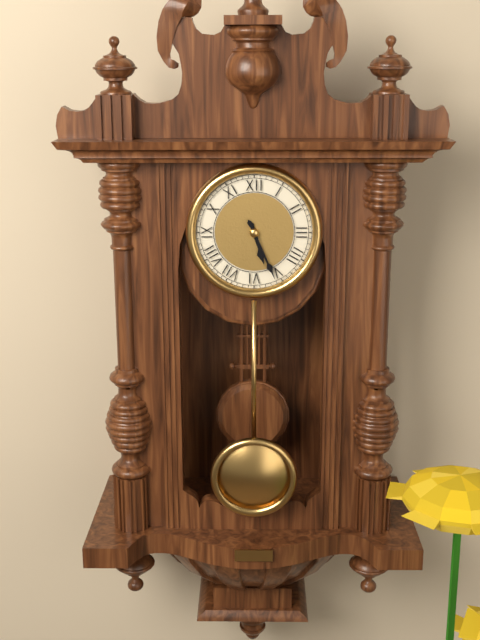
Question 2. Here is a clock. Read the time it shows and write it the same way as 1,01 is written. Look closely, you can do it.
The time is 5,26
